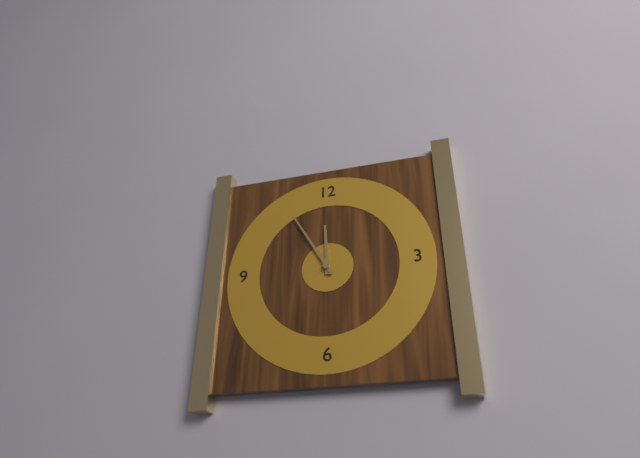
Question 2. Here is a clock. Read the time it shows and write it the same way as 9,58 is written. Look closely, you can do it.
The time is 11,55
